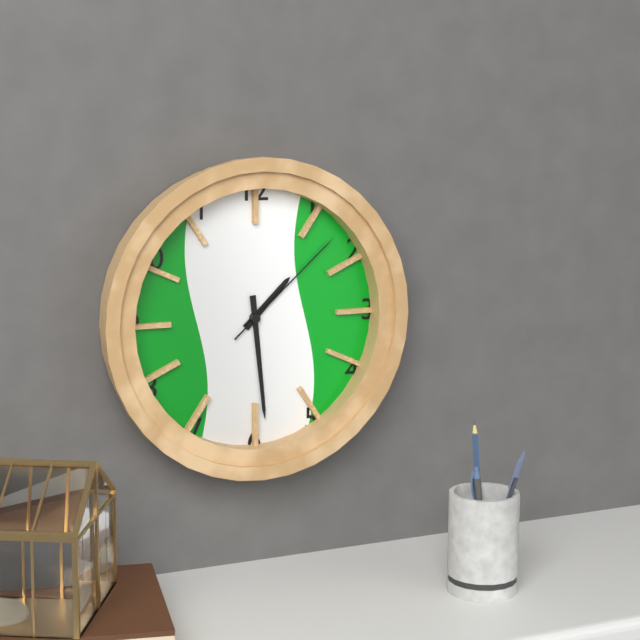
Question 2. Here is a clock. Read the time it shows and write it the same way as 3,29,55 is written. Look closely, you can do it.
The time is 1,29,08
